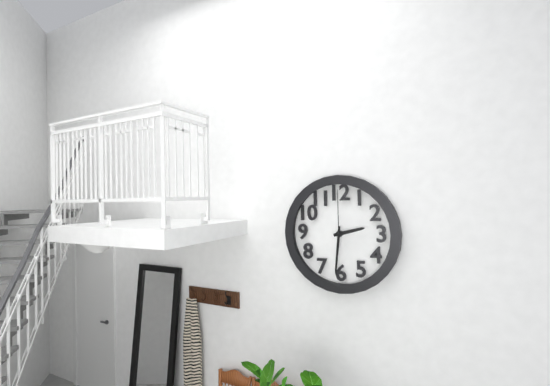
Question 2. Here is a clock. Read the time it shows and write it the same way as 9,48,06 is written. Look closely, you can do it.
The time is 2,31,00
